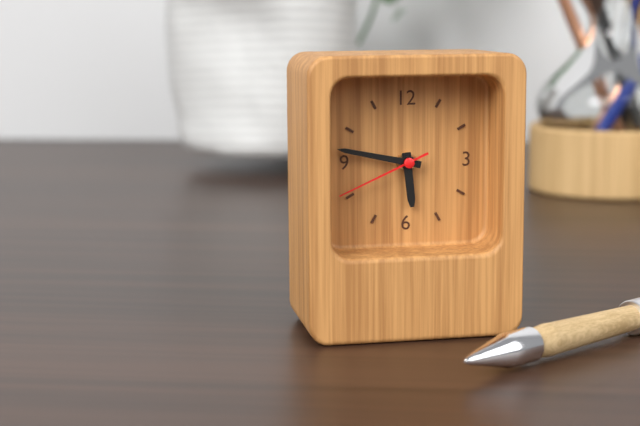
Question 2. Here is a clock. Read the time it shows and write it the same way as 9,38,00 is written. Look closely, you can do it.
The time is 5,47,41
